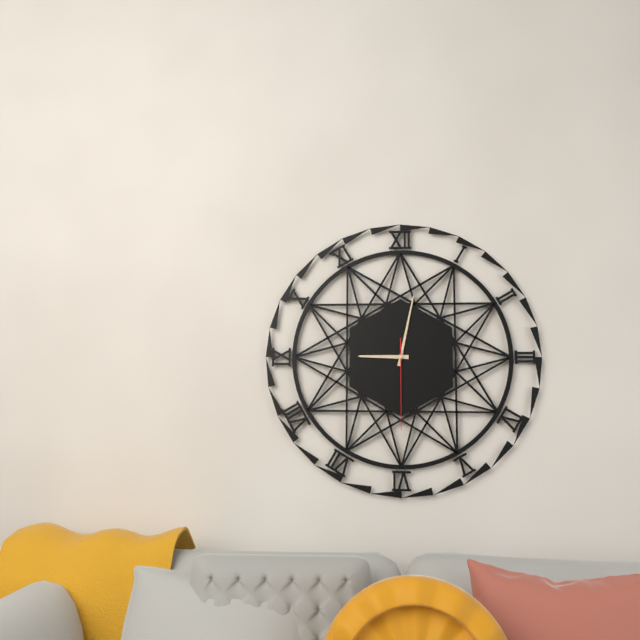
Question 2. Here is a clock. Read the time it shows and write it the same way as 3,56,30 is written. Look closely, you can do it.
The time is 9,02,30
